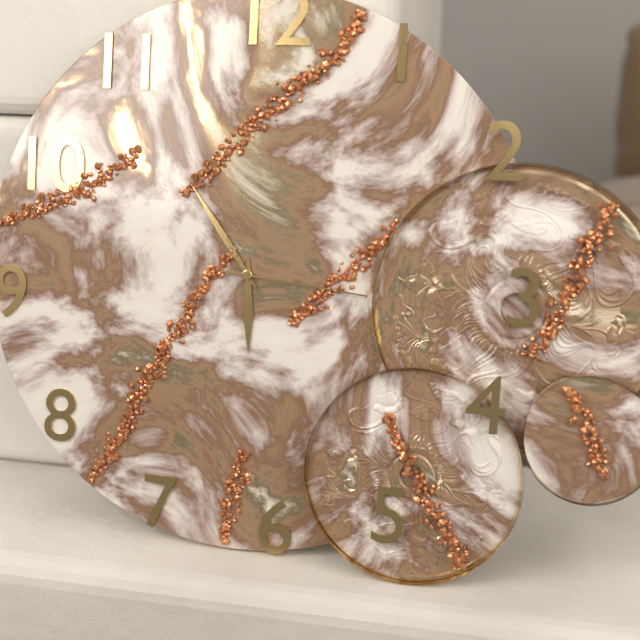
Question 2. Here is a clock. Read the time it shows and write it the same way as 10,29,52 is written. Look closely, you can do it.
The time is 5,54,16
